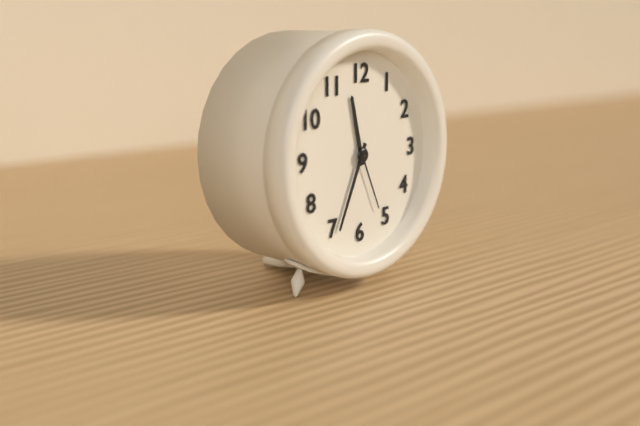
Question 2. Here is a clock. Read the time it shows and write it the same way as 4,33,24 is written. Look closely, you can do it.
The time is 11,34,26
